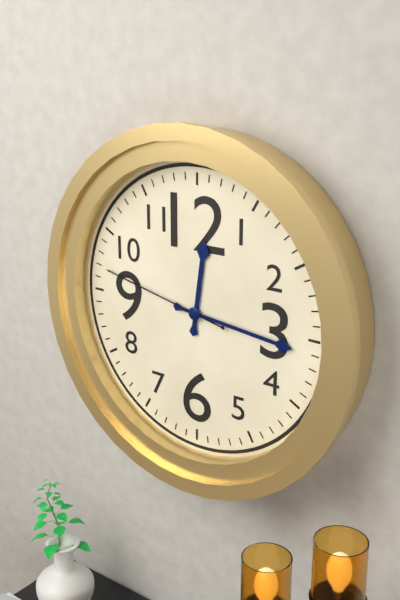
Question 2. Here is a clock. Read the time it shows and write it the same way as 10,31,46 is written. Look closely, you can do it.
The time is 12,16,47
